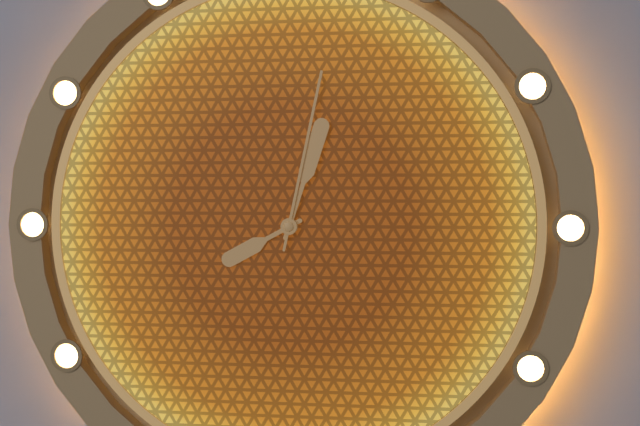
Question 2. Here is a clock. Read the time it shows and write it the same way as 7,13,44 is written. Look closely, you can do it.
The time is 8,03,02
